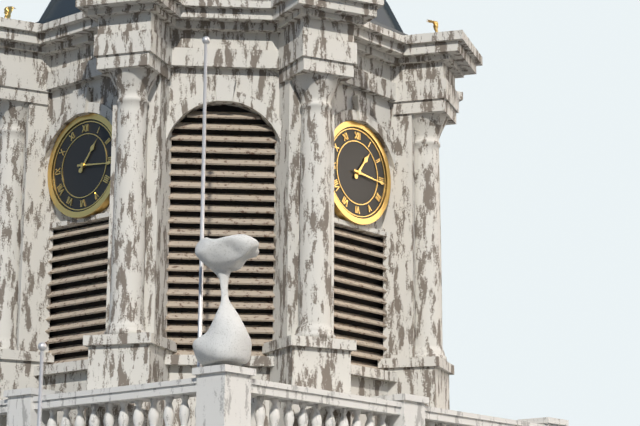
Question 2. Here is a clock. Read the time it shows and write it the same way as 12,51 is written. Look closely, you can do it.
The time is 1,16
